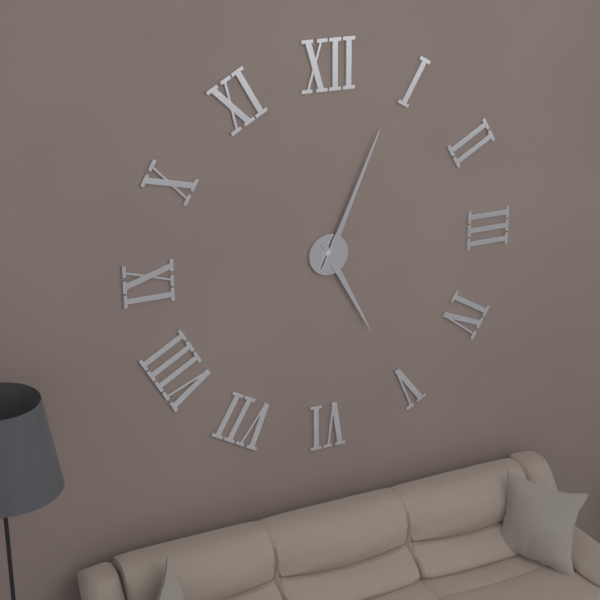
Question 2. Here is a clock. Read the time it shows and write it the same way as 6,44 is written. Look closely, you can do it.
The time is 5,04
